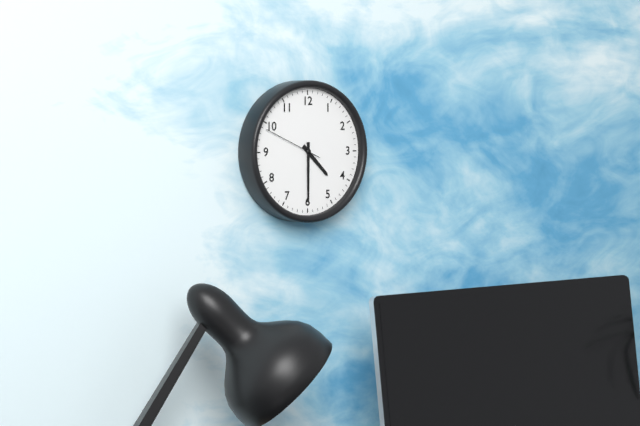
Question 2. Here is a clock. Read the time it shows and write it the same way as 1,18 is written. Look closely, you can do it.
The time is 4,30
